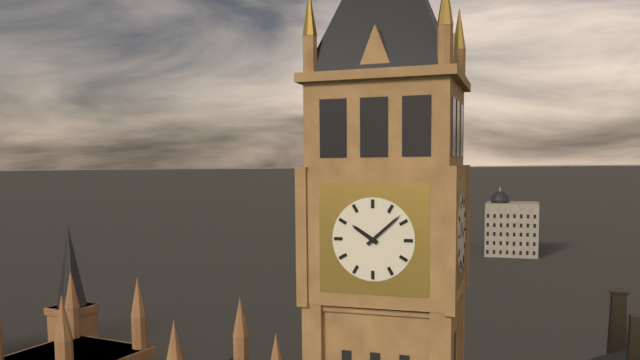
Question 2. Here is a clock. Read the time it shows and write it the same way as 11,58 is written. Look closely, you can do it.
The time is 10,08
